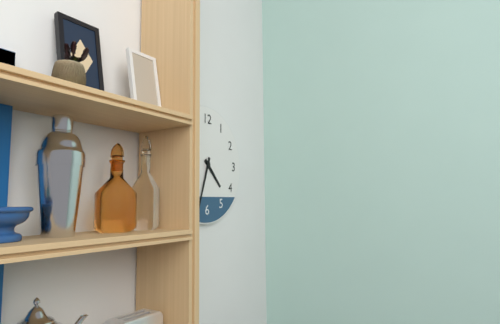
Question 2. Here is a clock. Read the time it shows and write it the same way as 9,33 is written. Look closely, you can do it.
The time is 4,33
